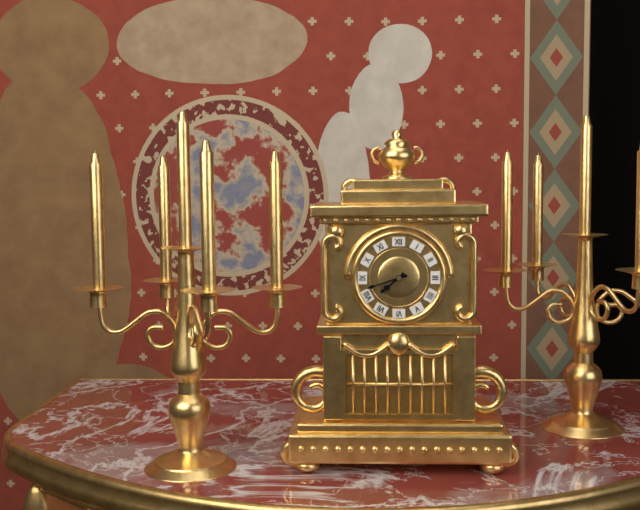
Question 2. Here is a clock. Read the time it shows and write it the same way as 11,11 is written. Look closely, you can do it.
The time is 7,42
